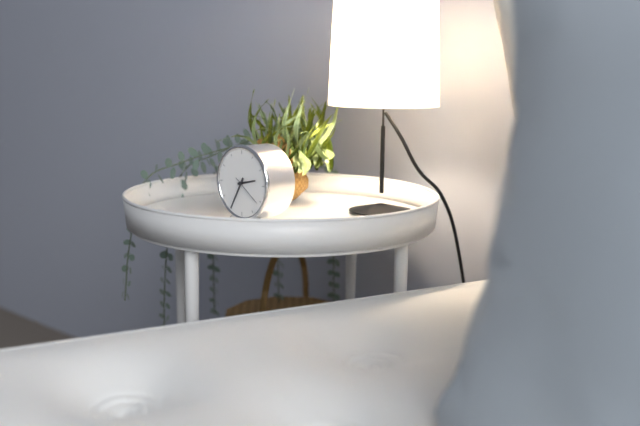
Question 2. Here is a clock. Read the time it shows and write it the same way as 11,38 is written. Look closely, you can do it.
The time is 2,35
